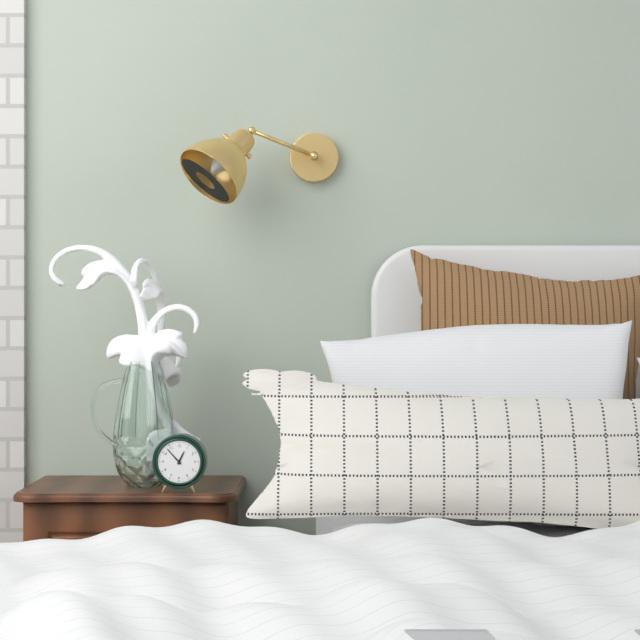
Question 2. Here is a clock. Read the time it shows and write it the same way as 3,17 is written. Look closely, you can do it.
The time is 12,53
